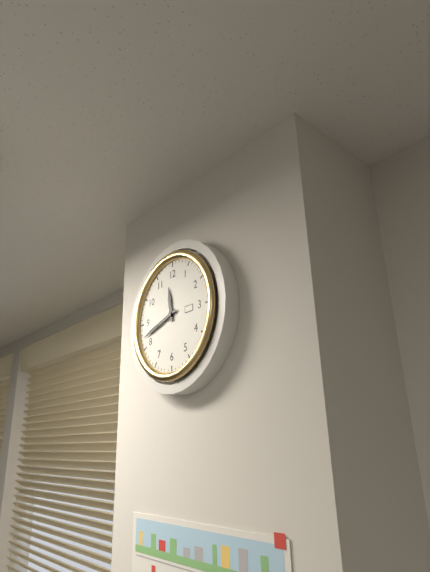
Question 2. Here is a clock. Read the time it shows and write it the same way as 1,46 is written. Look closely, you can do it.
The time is 11,42
